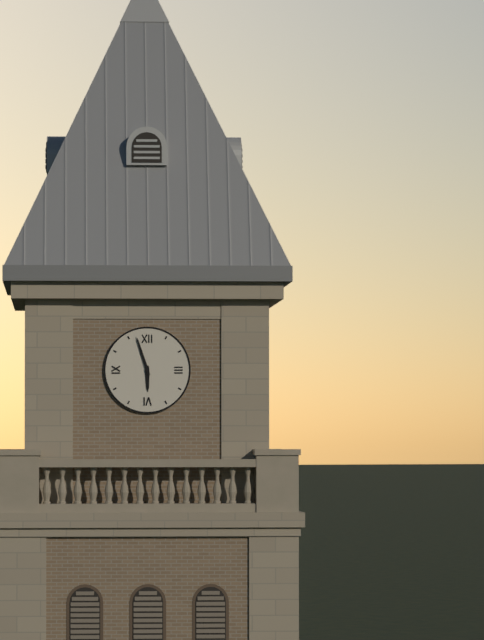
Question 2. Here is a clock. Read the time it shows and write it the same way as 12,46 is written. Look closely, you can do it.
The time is 5,57
